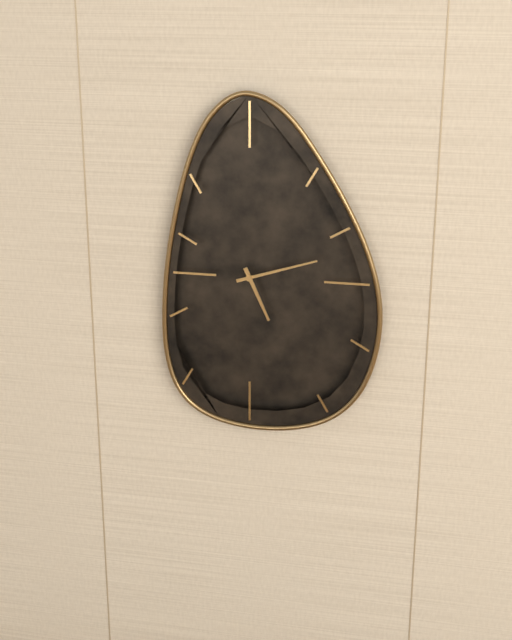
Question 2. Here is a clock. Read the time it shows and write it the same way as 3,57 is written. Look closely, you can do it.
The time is 5,12
